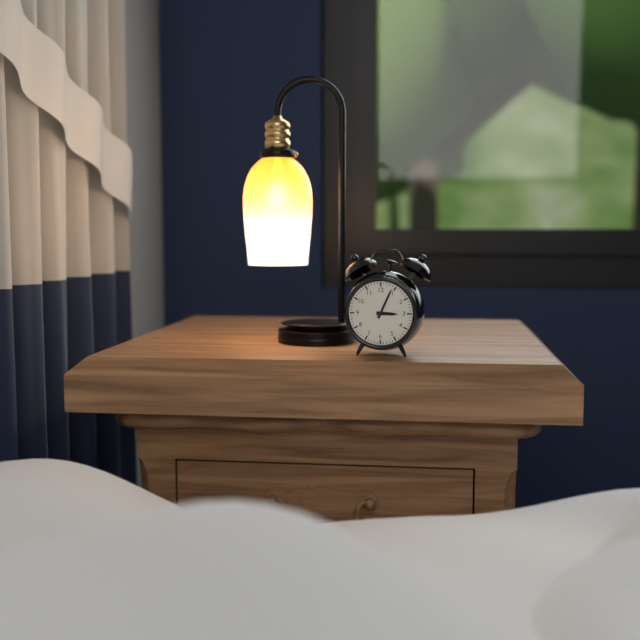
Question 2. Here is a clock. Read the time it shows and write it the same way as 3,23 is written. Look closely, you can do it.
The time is 3,04
